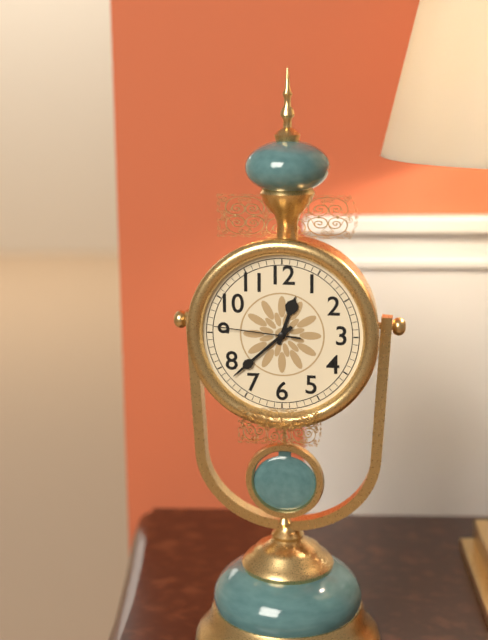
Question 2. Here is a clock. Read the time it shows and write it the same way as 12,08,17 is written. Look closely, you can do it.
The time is 12,38,46
